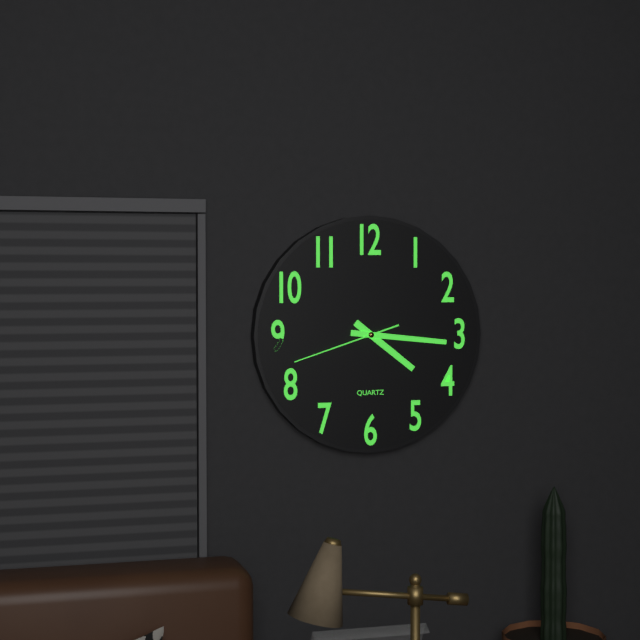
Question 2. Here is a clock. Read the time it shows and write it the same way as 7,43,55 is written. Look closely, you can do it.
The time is 4,16,42
